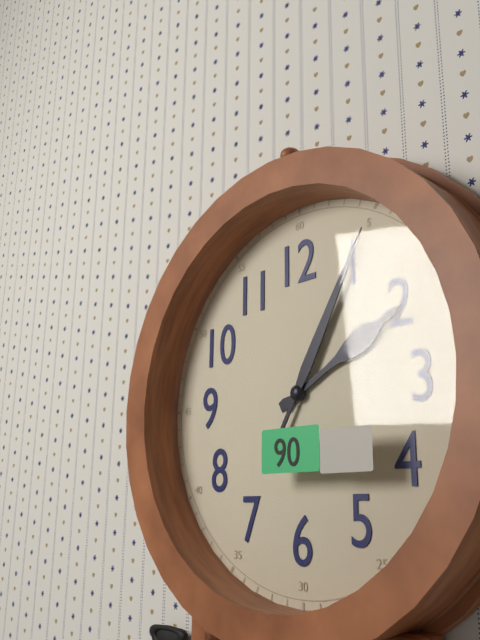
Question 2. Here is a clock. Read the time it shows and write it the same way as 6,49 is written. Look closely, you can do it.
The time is 2,05
